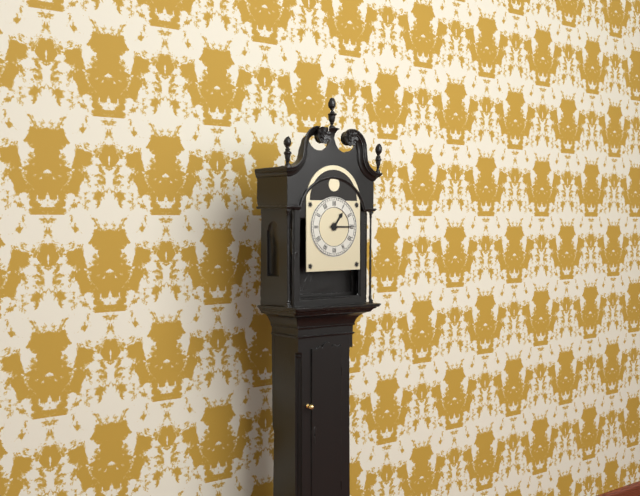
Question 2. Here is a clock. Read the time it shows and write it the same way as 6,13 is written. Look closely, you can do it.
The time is 1,15
